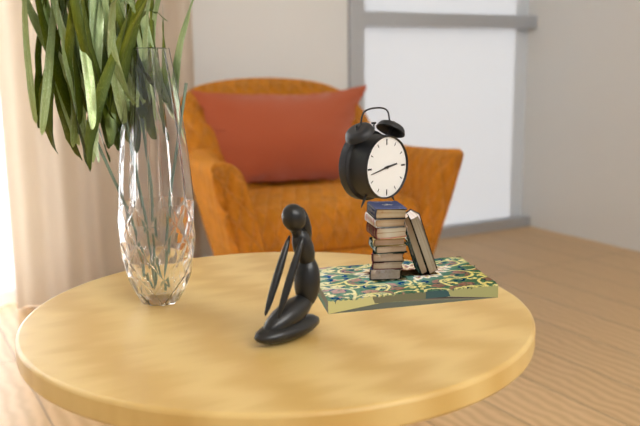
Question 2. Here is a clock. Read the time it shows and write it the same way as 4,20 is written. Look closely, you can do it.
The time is 2,43
